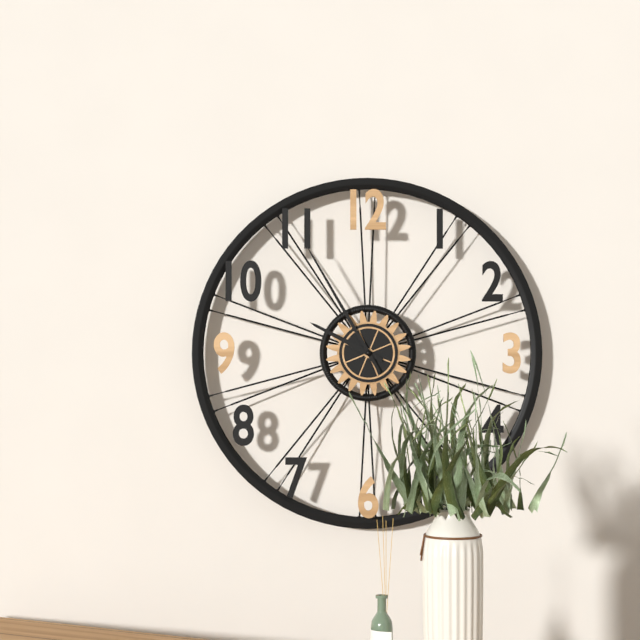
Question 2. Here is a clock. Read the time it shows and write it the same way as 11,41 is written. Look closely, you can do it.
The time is 9,55
